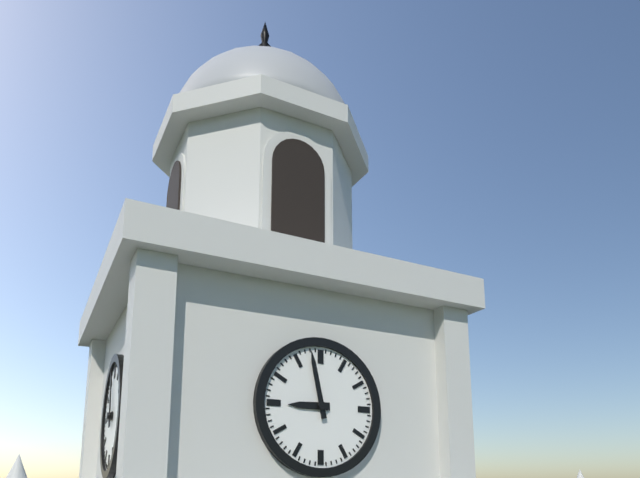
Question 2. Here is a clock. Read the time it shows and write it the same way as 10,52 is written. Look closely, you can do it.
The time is 8,58
